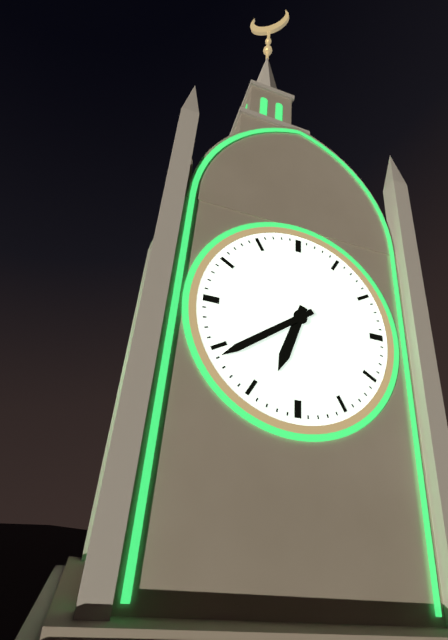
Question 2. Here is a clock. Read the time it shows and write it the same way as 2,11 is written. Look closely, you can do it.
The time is 6,39
